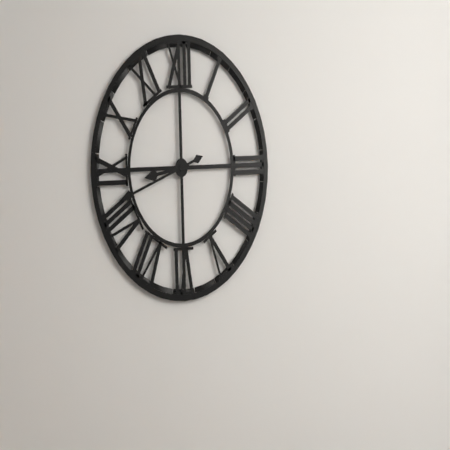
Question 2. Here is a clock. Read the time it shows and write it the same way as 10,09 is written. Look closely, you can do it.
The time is 8,42
